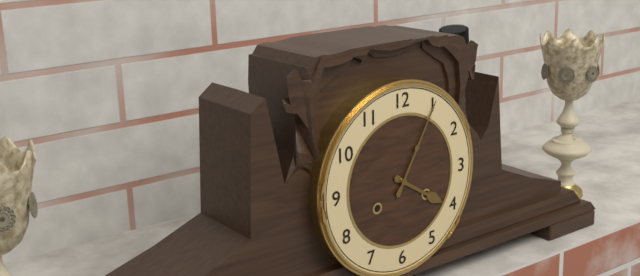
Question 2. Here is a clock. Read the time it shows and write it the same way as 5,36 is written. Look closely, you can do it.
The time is 4,05
